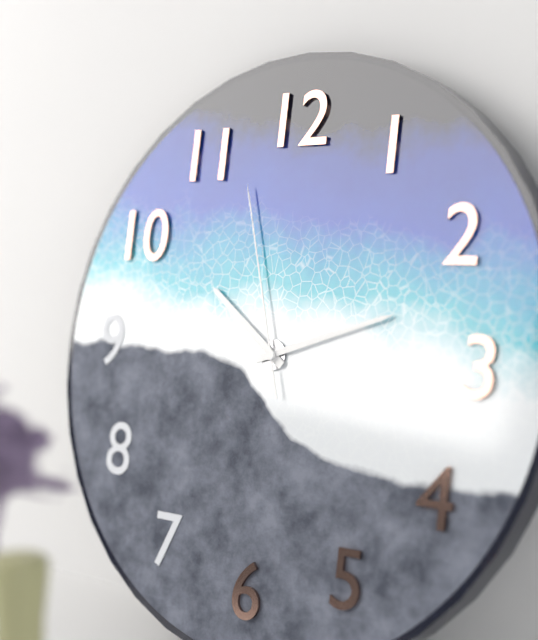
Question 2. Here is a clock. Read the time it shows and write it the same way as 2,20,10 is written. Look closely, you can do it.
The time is 10,12,57
